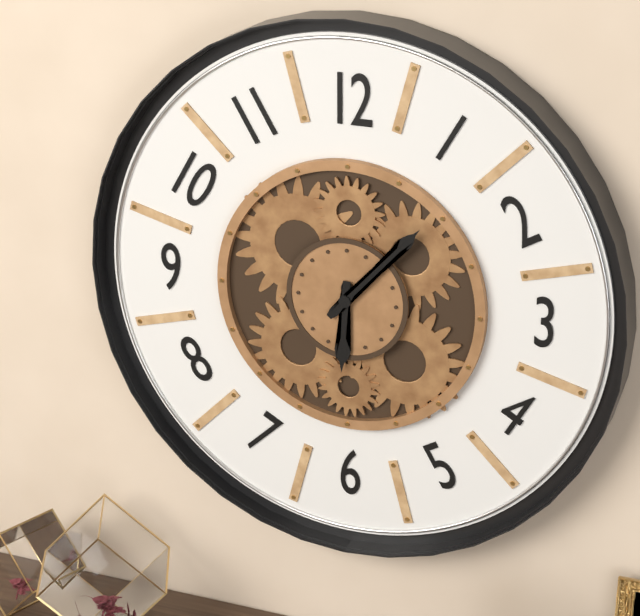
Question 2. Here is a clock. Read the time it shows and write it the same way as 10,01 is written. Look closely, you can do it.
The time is 6,07
